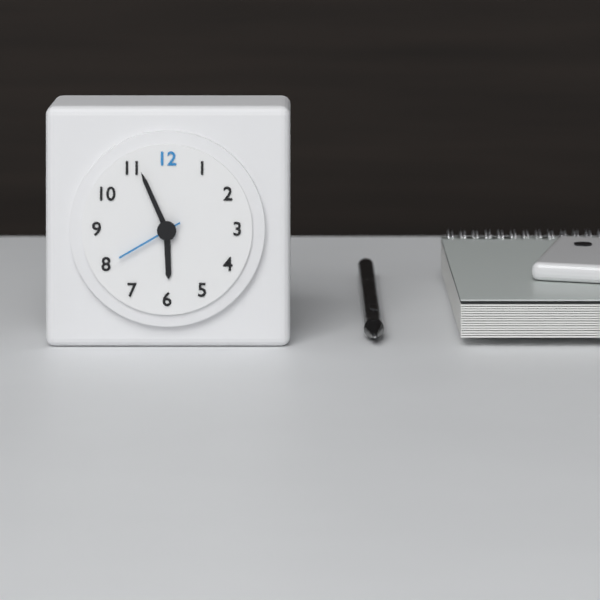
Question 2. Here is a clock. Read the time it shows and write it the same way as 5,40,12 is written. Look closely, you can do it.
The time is 5,56,40
